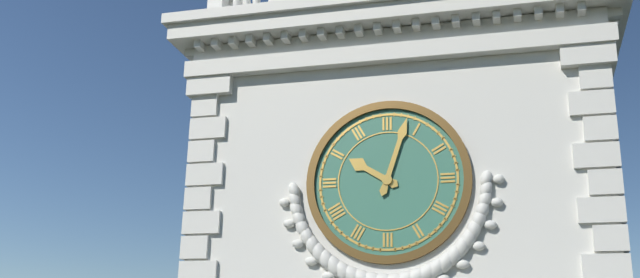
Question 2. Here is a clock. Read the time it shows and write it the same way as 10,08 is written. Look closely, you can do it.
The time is 10,03
